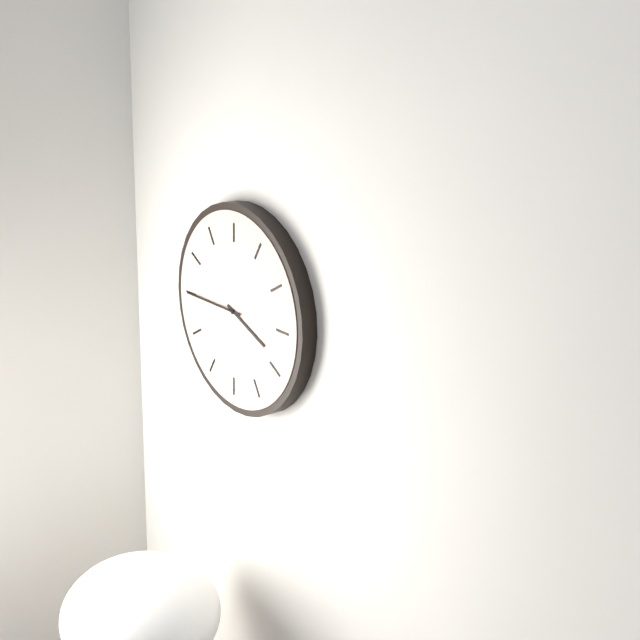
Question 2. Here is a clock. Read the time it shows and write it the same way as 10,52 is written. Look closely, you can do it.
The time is 3,45
